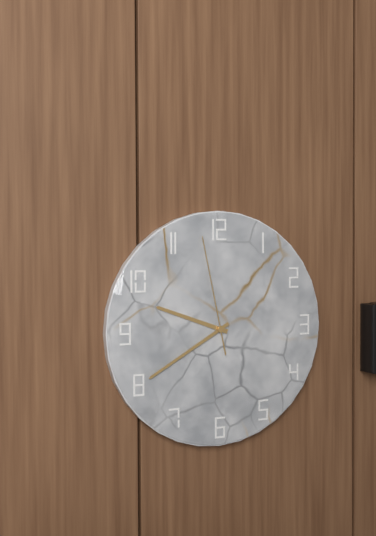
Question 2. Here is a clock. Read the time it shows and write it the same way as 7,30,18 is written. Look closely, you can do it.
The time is 9,40,58
